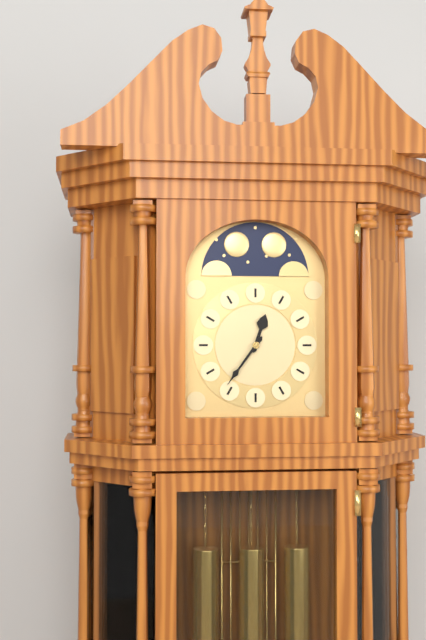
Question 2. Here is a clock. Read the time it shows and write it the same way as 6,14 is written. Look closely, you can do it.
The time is 12,36
